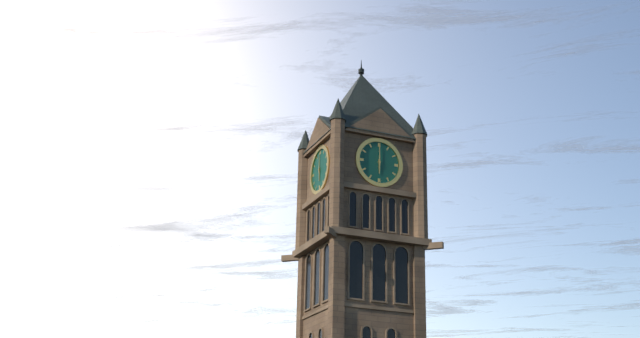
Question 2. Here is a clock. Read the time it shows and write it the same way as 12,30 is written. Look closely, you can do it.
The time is 6,00
